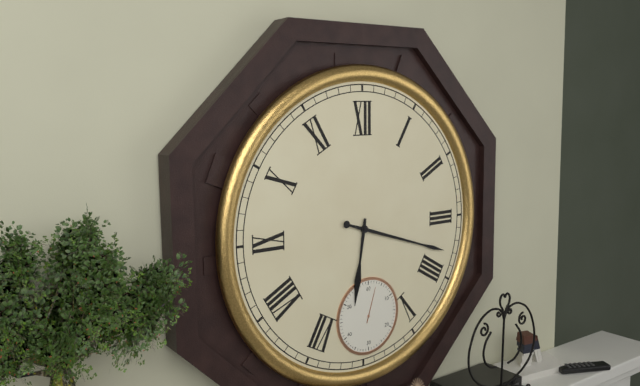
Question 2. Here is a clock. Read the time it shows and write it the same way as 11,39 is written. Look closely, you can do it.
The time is 6,18
